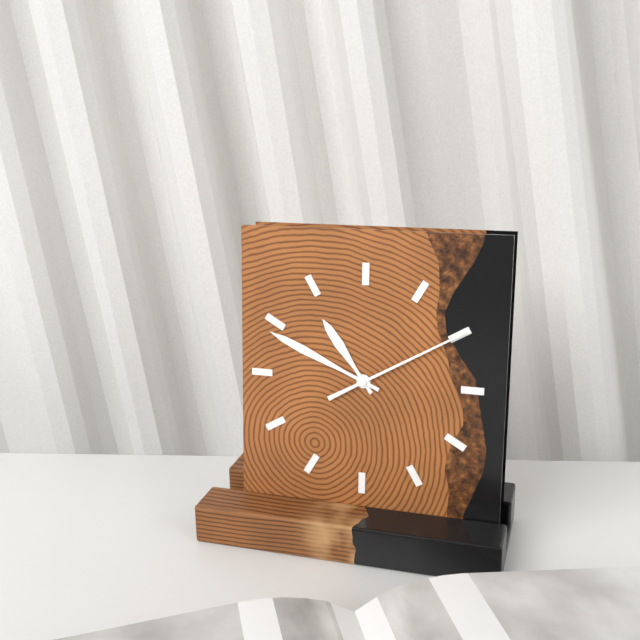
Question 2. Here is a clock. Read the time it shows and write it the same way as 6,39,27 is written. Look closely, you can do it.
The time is 10,49,10
